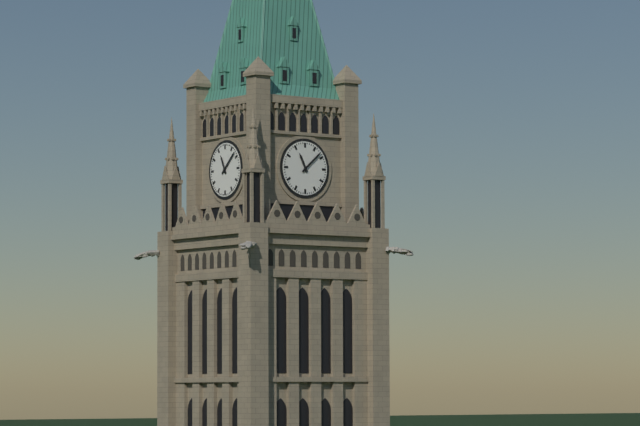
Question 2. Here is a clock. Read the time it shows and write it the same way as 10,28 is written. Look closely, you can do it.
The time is 11,08
